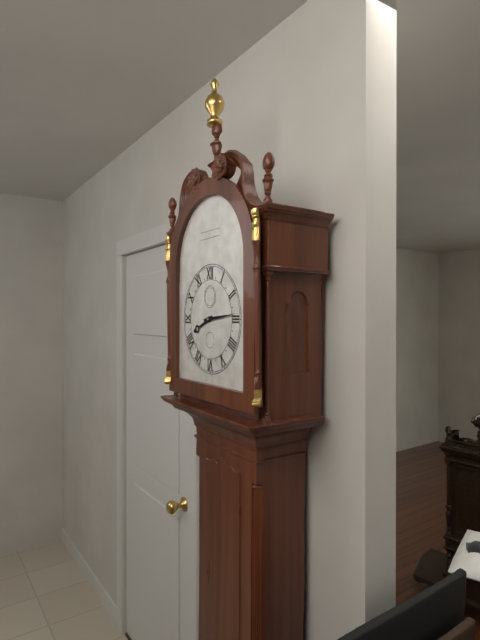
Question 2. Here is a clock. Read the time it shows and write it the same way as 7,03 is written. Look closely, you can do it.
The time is 8,14
